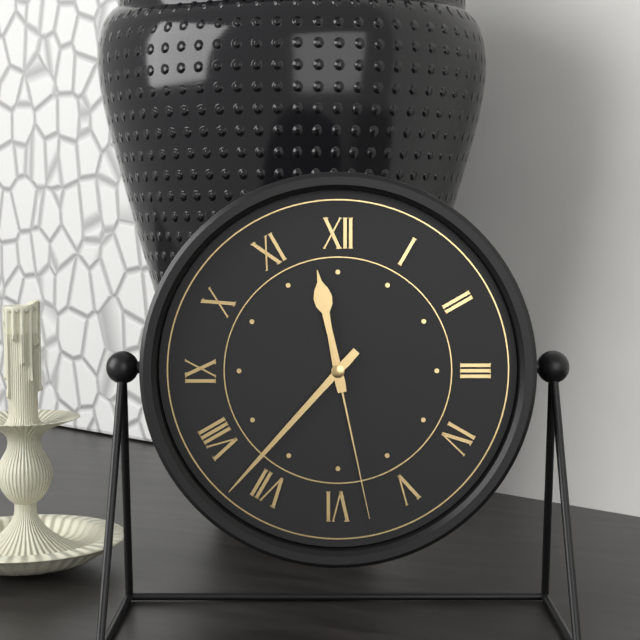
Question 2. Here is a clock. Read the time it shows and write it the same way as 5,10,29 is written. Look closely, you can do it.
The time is 11,37,28
